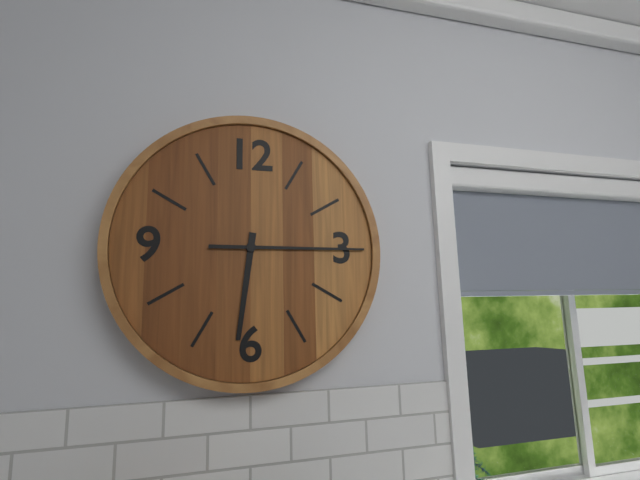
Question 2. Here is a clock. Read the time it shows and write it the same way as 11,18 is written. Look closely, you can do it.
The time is 6,15
